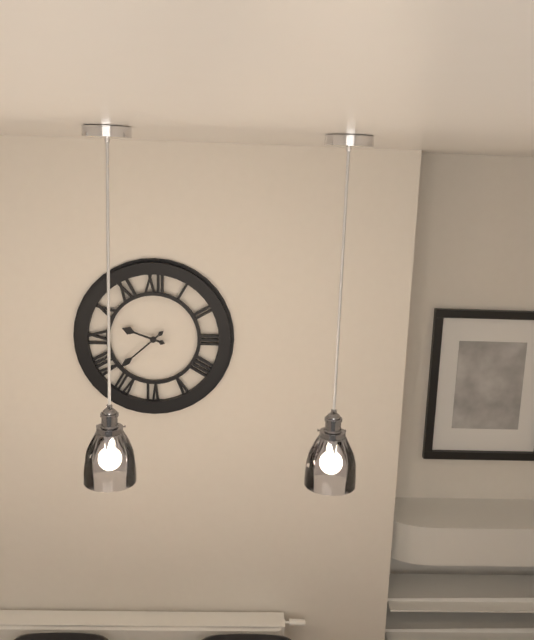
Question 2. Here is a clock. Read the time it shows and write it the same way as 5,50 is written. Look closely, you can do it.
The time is 9,38
